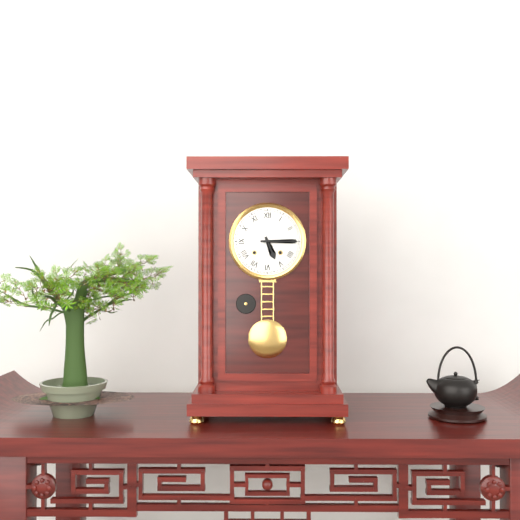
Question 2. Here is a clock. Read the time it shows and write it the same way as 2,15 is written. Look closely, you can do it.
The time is 5,15
